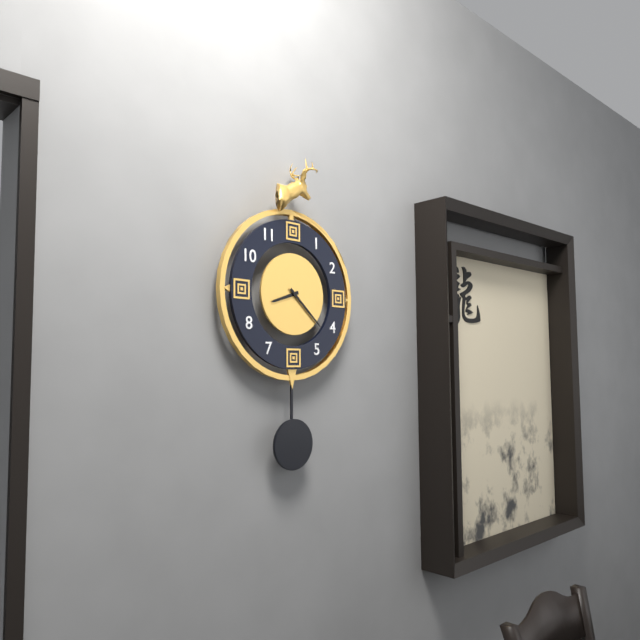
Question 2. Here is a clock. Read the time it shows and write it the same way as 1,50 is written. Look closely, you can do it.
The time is 8,22
